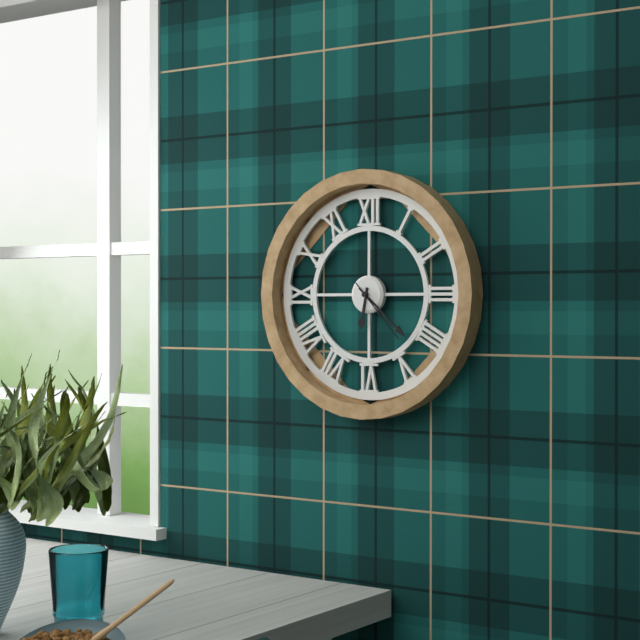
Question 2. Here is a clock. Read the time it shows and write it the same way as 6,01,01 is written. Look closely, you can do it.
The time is 6,22,23
